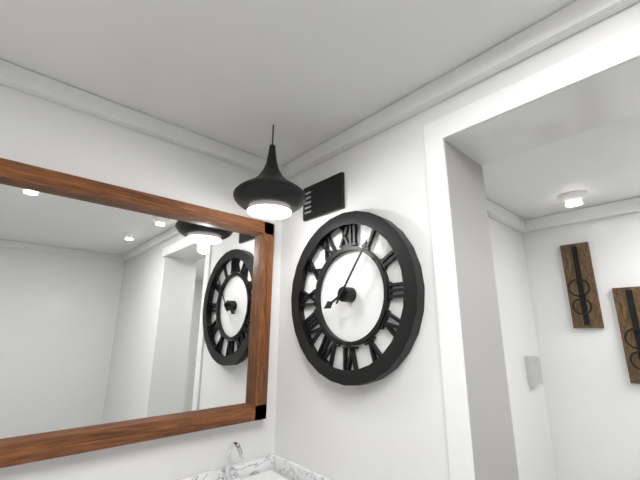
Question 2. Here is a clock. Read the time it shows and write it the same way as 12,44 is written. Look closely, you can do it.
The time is 8,06
